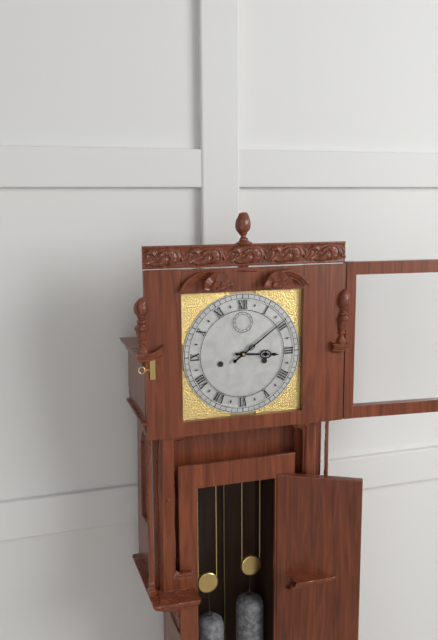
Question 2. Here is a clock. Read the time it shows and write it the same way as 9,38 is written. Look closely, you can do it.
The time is 3,09
